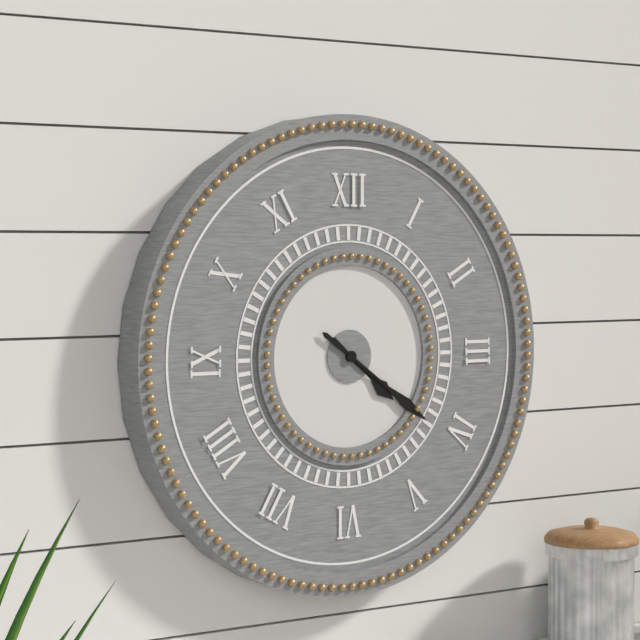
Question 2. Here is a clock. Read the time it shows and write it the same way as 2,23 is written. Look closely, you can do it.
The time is 4,21
